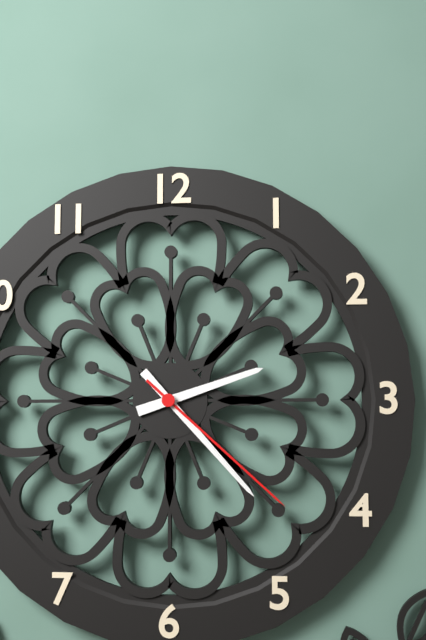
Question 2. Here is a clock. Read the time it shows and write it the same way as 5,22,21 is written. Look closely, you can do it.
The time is 2,23,22
